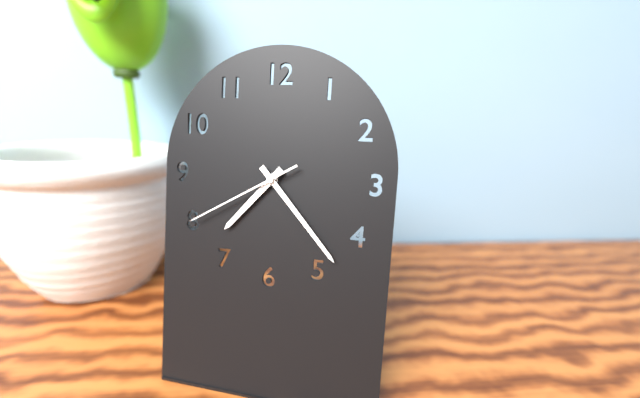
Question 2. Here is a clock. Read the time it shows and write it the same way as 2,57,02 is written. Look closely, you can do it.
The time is 7,23,40
